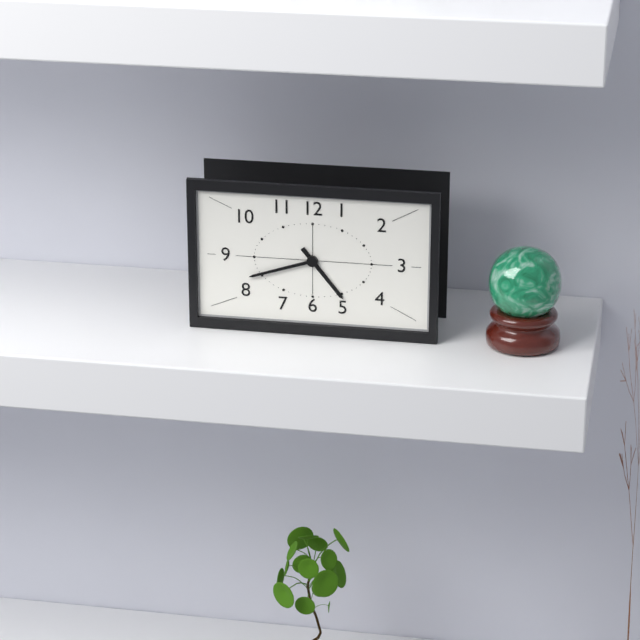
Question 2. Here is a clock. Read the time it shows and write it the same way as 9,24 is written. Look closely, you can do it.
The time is 4,42
